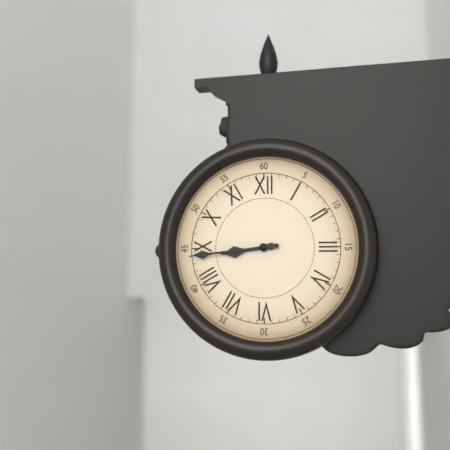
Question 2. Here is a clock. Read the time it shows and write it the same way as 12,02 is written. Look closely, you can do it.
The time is 8,44
